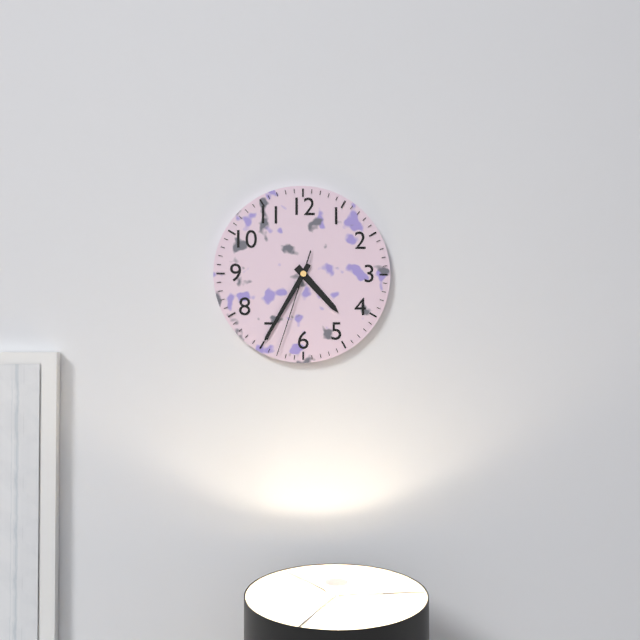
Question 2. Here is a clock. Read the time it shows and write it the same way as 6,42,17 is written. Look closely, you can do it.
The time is 4,35,33
